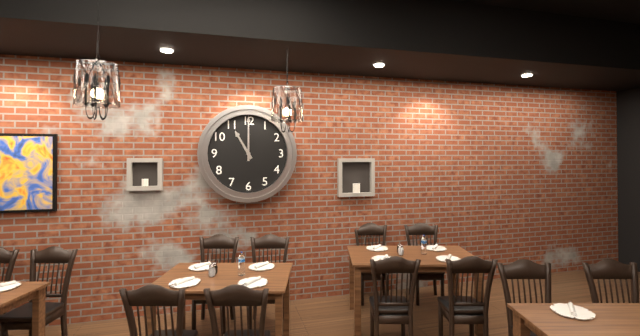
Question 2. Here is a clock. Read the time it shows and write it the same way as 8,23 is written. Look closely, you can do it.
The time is 11,00
